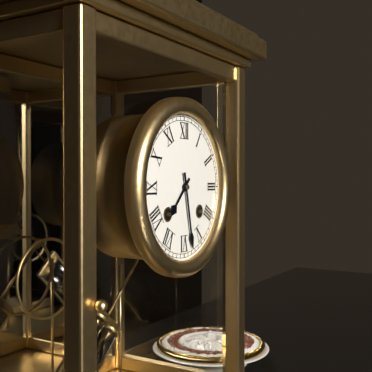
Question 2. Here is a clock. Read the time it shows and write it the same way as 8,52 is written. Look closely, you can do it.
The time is 7,28
